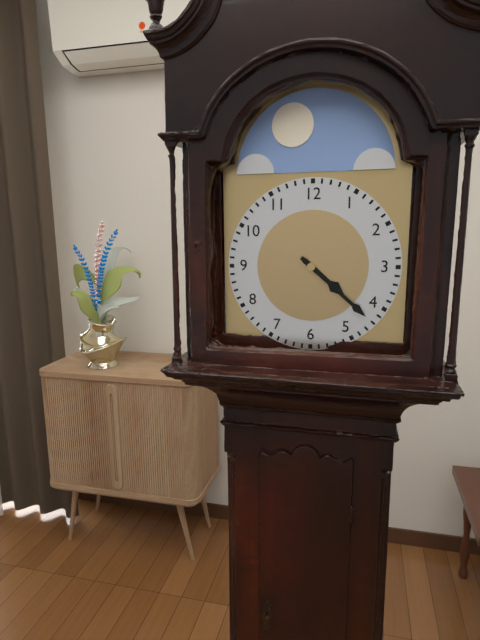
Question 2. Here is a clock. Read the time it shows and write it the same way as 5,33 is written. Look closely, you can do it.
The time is 4,22
